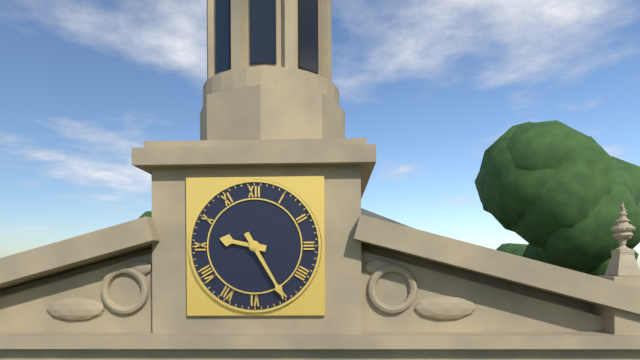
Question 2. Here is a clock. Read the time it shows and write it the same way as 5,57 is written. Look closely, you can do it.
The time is 9,25
